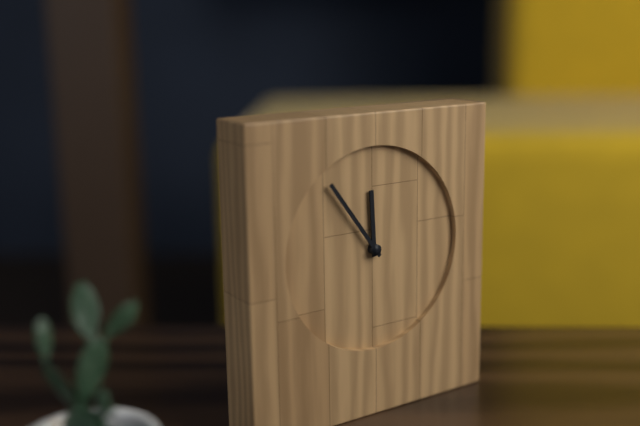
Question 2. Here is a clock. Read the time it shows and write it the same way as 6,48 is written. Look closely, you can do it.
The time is 11,54
